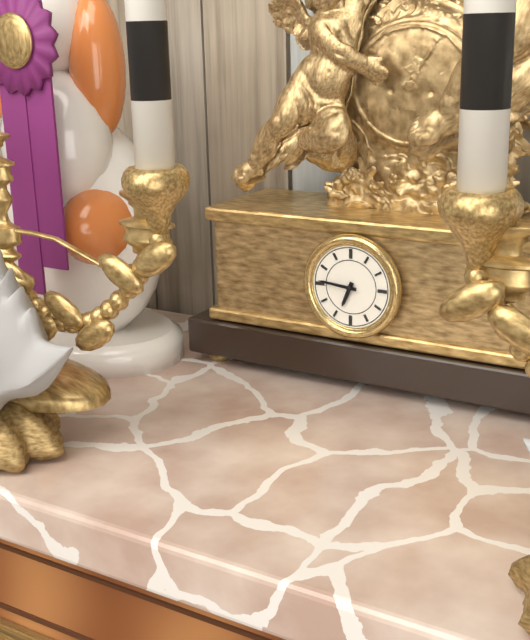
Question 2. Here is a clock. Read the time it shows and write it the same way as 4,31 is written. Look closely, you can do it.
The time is 6,46
